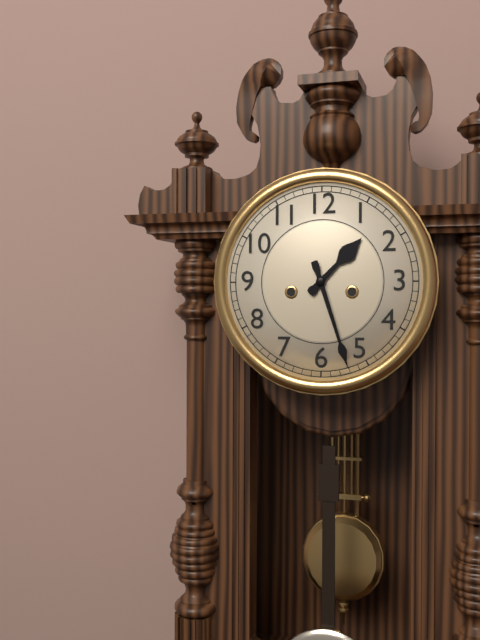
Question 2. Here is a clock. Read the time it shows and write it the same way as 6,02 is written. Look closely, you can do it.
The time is 1,27
